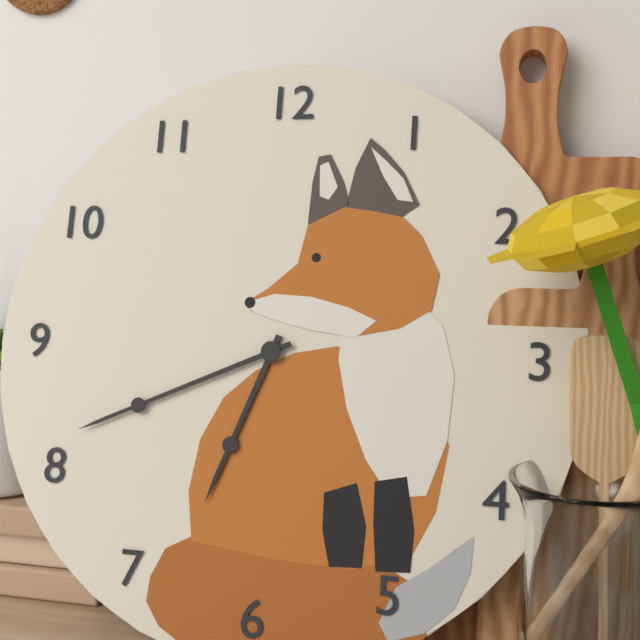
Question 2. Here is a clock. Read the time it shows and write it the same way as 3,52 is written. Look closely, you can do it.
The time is 6,41
